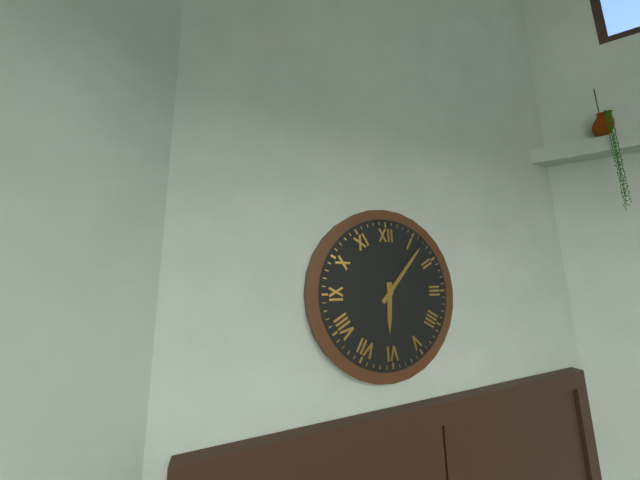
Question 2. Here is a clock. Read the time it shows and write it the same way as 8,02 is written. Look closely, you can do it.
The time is 6,07
